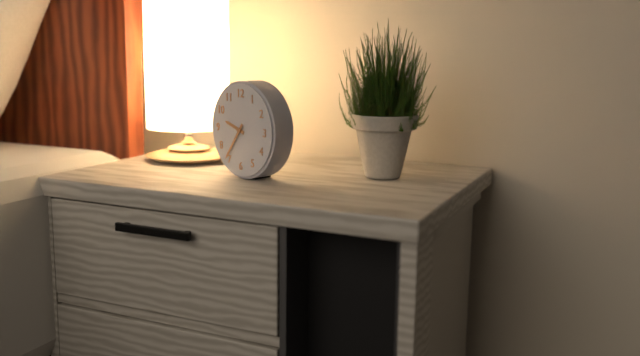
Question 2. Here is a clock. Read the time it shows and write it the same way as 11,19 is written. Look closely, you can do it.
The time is 9,36
